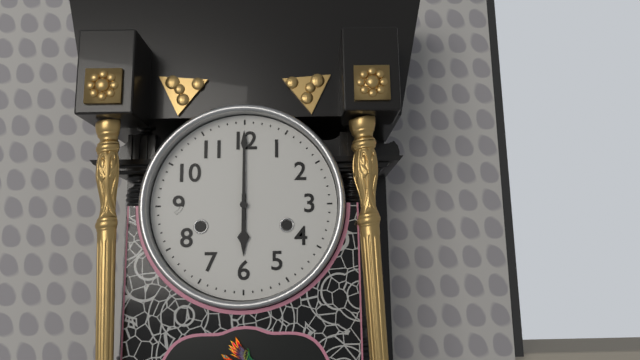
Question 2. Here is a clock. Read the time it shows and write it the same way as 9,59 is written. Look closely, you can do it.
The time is 6,00
